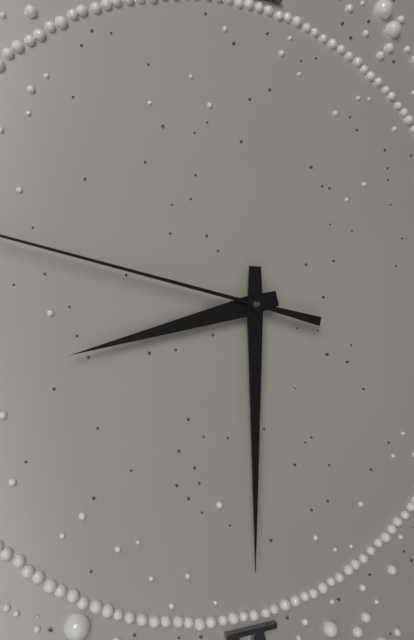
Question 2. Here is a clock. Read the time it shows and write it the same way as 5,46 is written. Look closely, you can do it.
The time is 8,30
